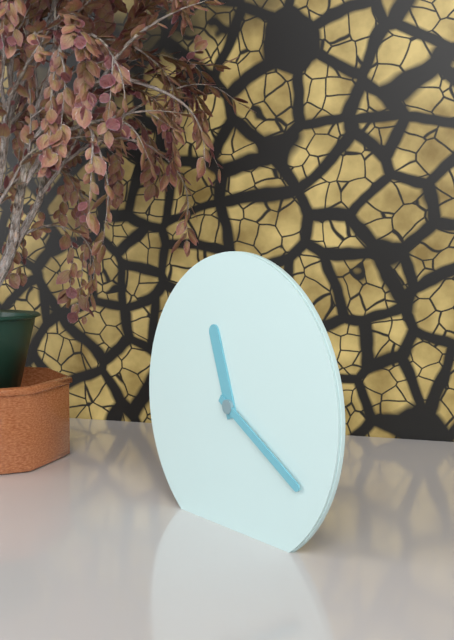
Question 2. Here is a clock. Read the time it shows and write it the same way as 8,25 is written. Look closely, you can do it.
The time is 11,20
